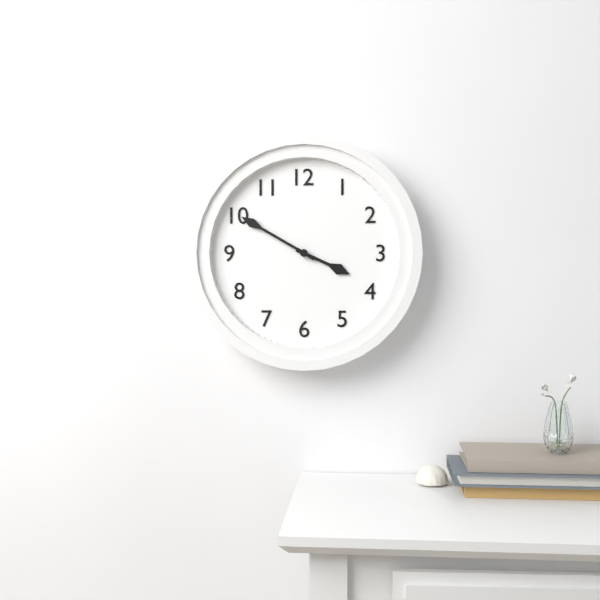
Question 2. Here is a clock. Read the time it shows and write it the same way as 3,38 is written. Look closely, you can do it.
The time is 3,50
